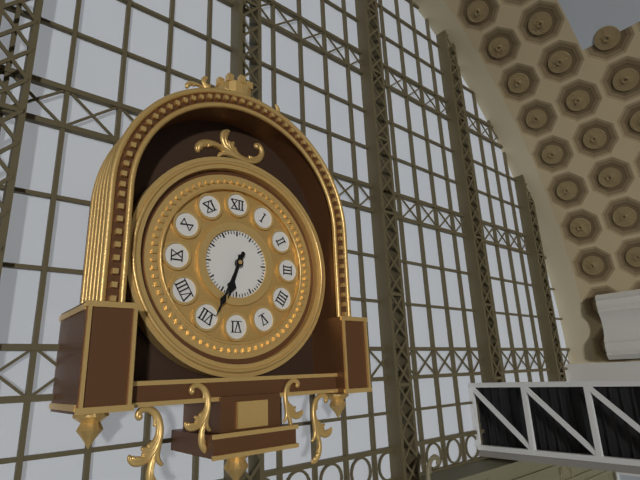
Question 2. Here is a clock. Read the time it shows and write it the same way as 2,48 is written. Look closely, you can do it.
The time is 6,34
